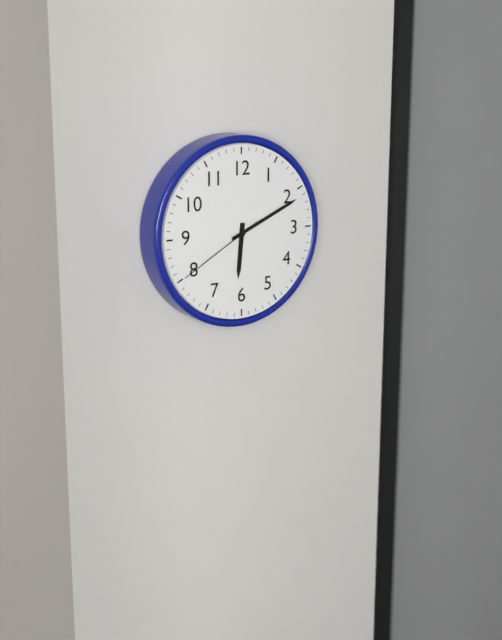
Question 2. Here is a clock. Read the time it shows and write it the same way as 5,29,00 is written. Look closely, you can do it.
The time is 6,11,40
